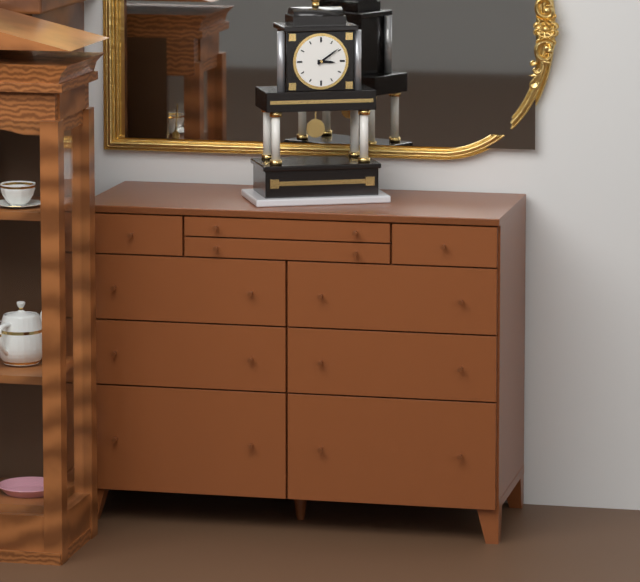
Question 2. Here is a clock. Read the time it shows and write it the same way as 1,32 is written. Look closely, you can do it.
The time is 3,09
